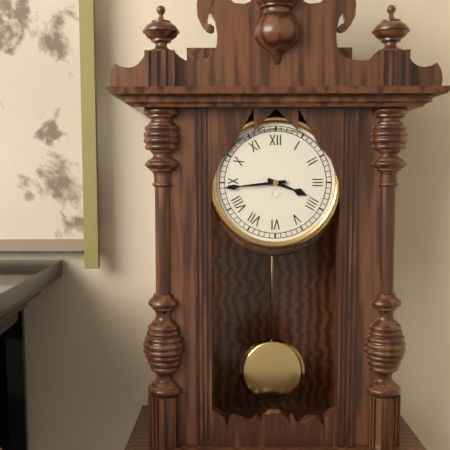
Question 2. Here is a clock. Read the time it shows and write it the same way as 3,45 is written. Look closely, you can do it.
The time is 3,44
